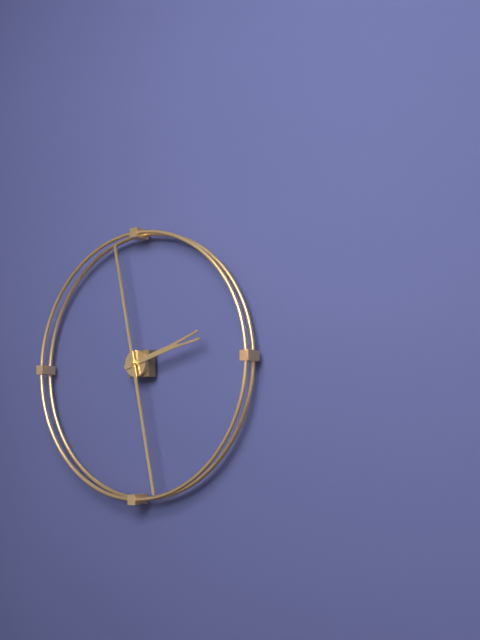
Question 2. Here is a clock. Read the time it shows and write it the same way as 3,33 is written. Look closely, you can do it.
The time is 2,28
